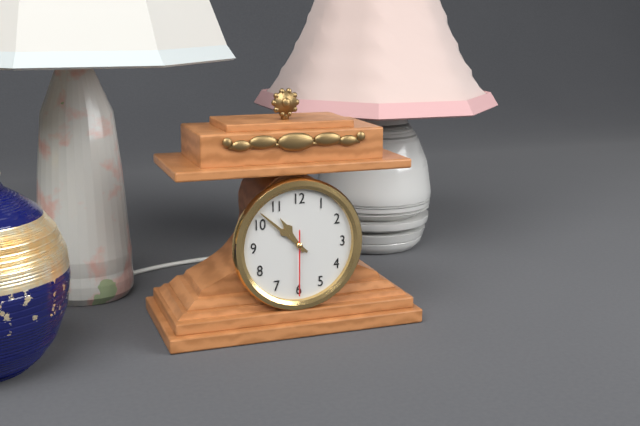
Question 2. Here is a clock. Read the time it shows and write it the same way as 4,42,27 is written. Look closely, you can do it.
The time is 10,52,30
